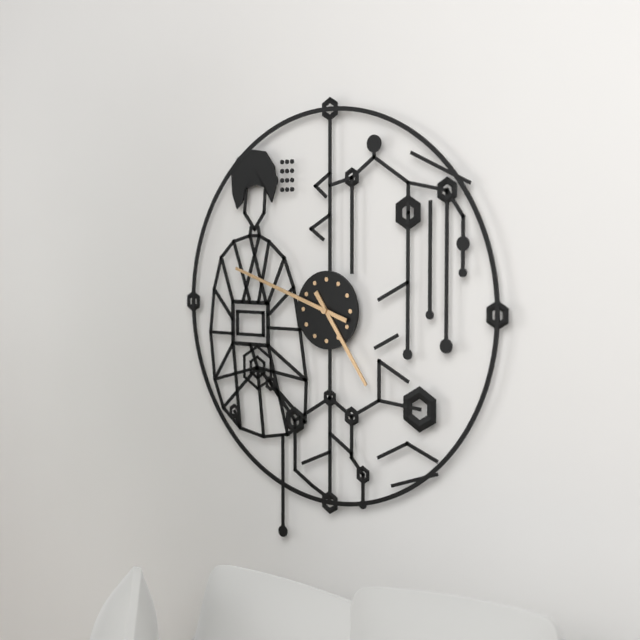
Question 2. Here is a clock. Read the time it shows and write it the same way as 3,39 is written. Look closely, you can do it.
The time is 4,48
